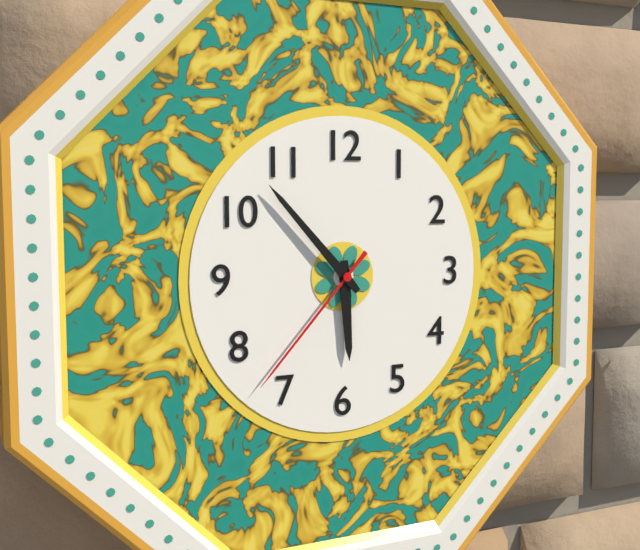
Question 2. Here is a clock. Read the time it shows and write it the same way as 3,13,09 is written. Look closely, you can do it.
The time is 5,53,37
